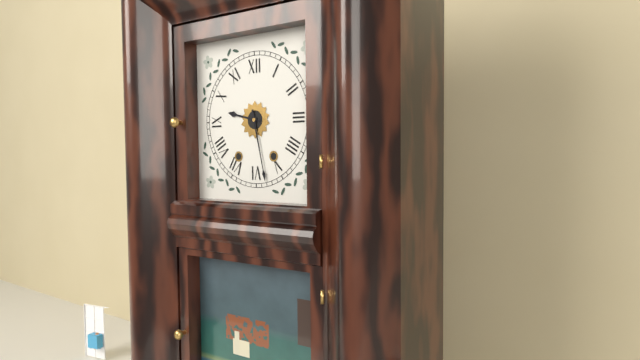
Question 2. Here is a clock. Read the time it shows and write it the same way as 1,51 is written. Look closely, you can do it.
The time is 9,28
